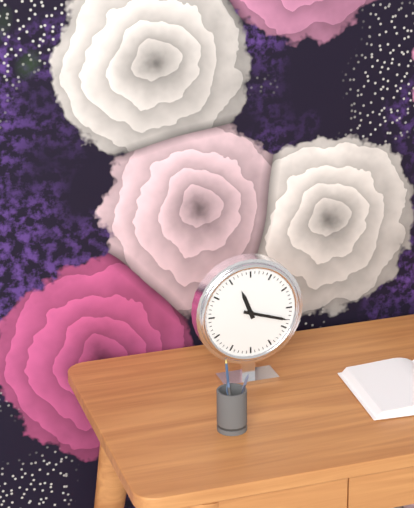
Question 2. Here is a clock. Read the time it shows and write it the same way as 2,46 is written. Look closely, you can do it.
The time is 11,18
